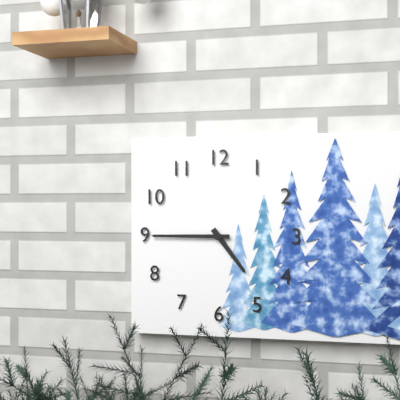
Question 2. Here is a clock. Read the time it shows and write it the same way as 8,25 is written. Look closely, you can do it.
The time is 4,45
